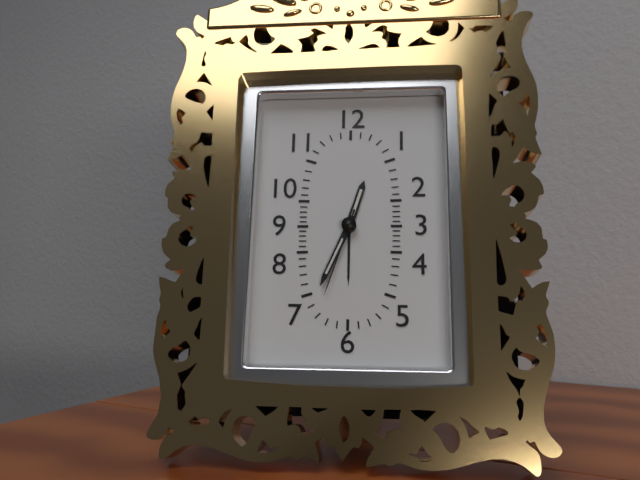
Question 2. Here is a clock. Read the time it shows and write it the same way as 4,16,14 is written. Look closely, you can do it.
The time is 12,34,33
